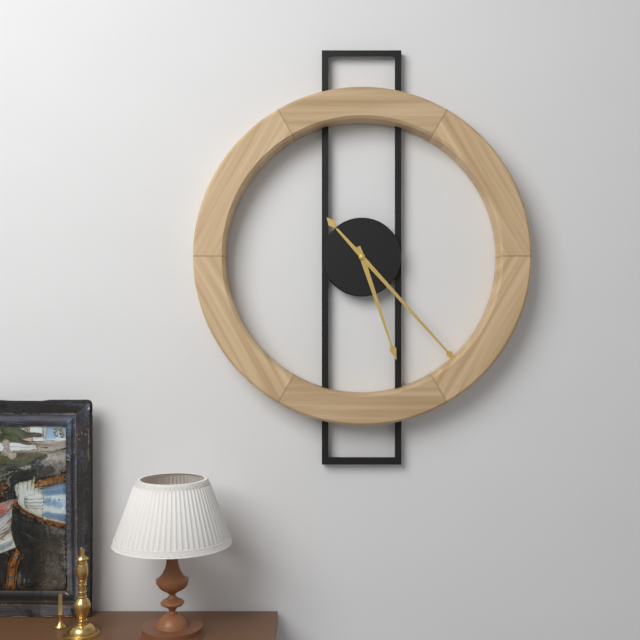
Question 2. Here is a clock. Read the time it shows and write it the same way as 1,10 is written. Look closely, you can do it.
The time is 5,23
